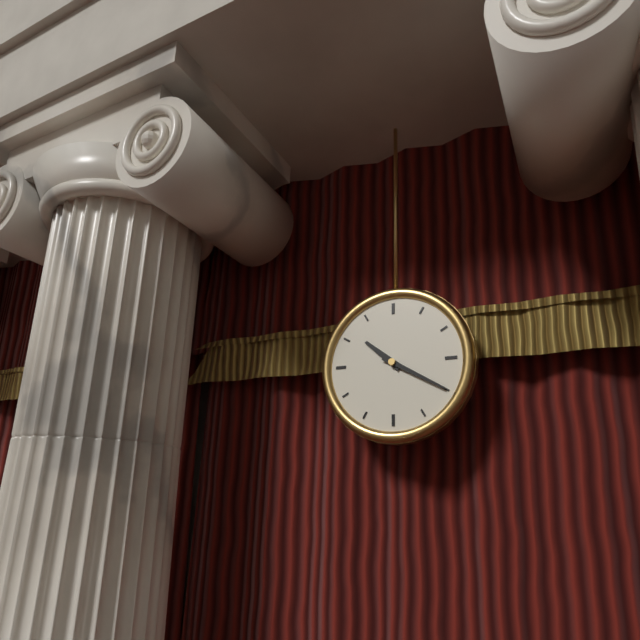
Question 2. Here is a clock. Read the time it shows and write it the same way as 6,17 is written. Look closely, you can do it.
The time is 10,20
